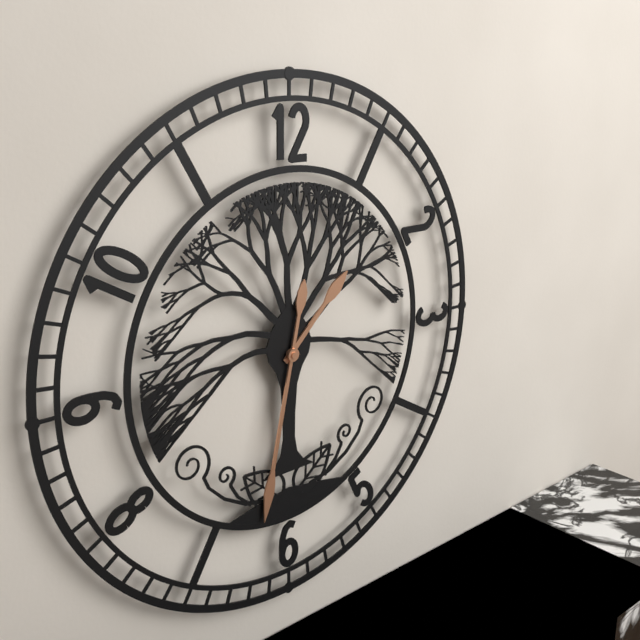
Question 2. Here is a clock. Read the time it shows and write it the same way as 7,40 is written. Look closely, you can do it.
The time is 1,32
